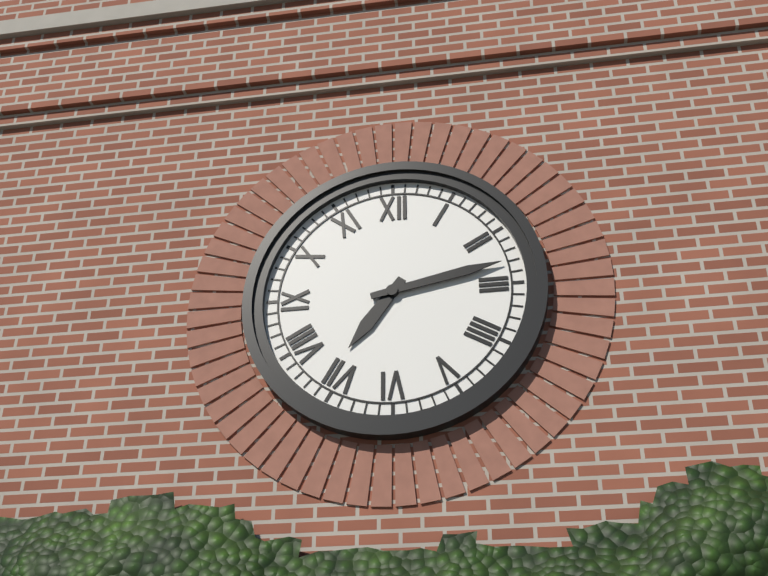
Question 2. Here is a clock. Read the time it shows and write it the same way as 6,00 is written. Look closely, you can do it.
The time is 7,13
